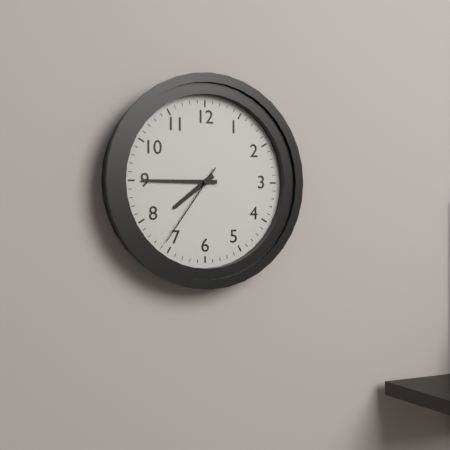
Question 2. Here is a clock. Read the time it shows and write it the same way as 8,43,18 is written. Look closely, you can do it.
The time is 7,45,36
